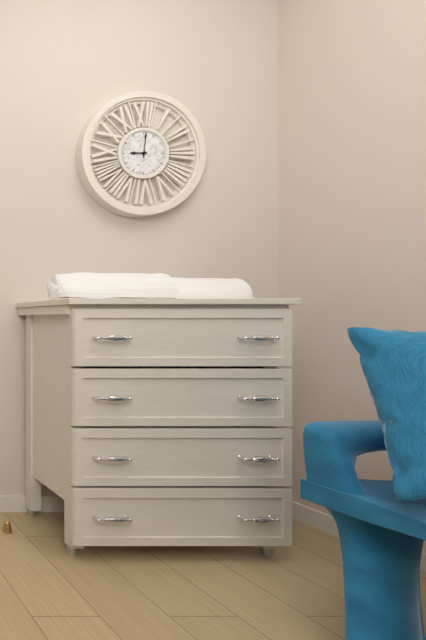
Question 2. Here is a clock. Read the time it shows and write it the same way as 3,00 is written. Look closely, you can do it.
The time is 9,01
